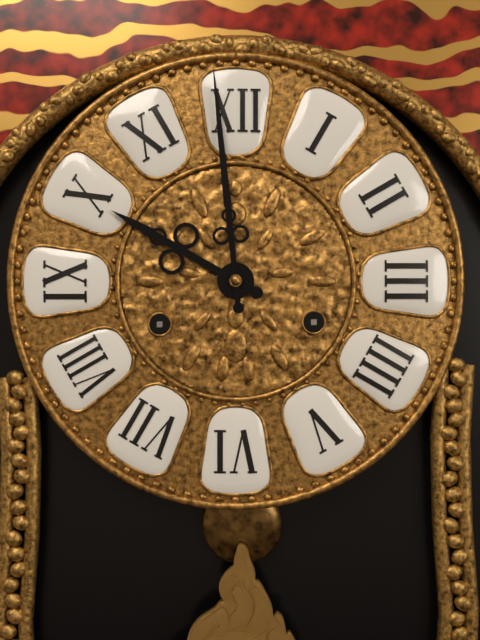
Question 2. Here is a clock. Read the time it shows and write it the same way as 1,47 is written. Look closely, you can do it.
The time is 9,59
